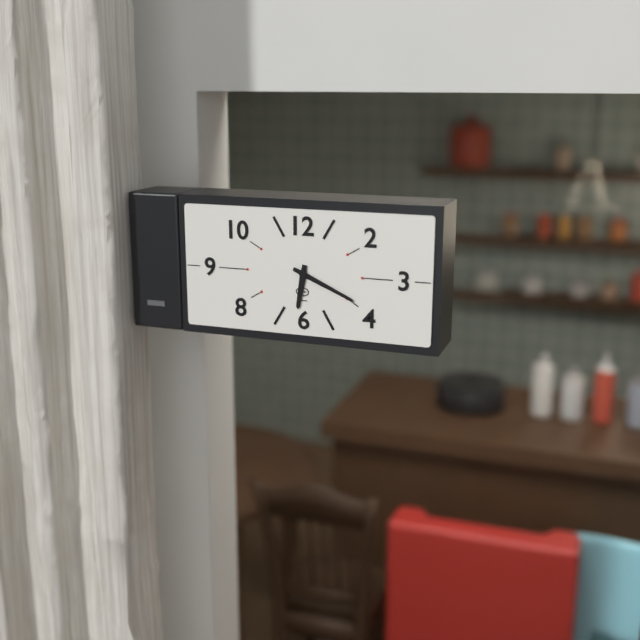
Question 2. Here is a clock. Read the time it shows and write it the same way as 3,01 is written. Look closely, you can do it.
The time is 6,19
